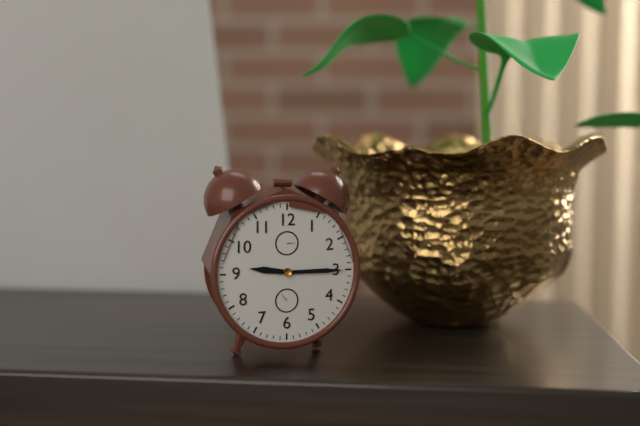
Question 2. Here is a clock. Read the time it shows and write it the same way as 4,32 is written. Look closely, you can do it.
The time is 9,15
